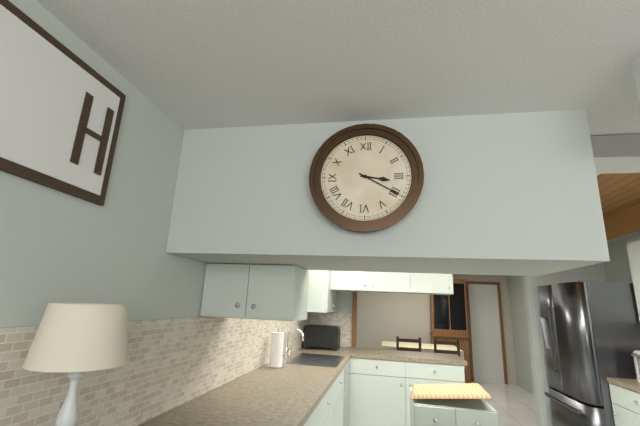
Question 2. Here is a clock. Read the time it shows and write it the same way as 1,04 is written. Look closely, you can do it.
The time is 3,20
